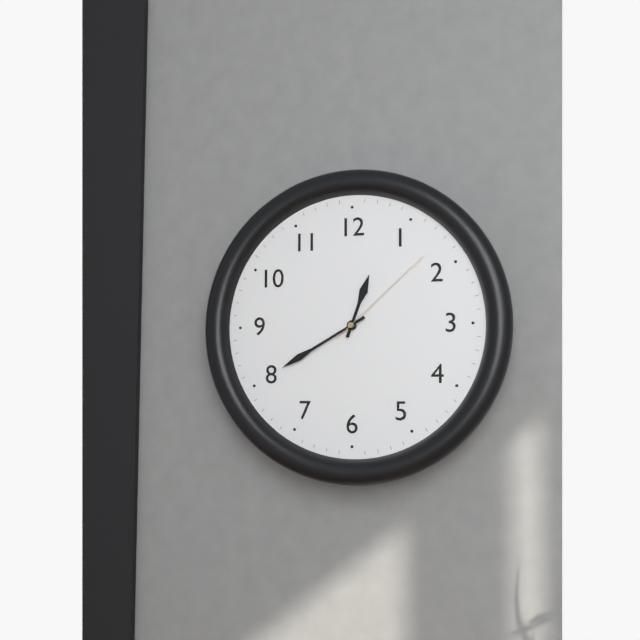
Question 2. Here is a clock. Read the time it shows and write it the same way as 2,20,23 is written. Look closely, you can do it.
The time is 12,40,08
